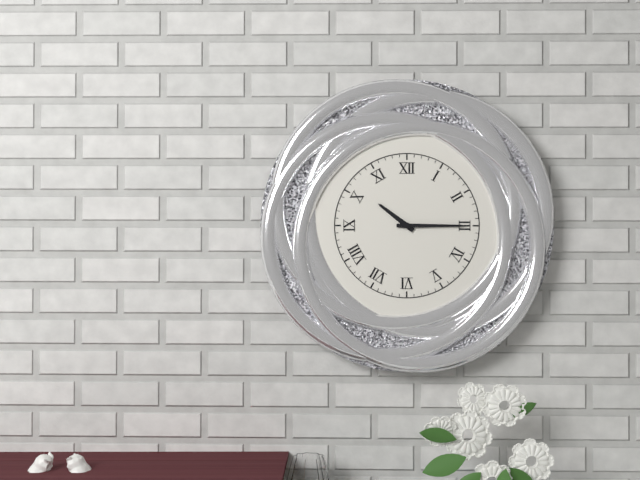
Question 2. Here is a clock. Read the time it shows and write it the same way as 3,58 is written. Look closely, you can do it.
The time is 10,15
